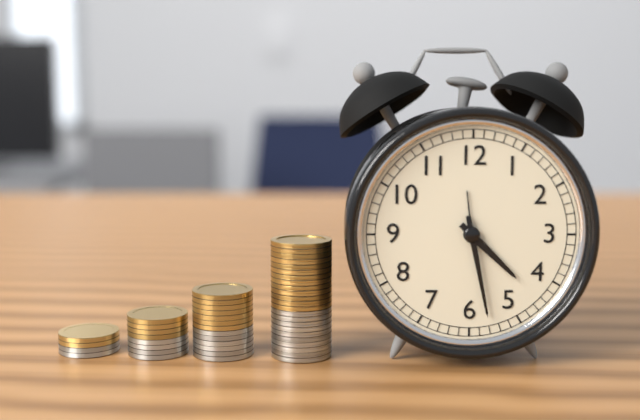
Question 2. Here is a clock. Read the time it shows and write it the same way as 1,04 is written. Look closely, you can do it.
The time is 4,28
